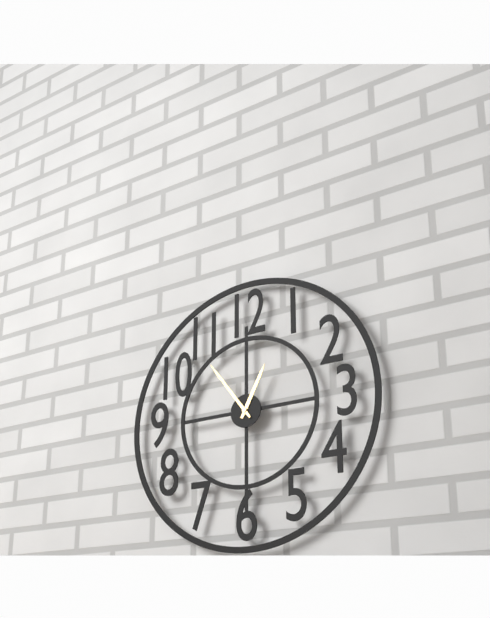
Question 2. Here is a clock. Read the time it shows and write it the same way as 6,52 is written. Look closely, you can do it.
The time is 12,54
